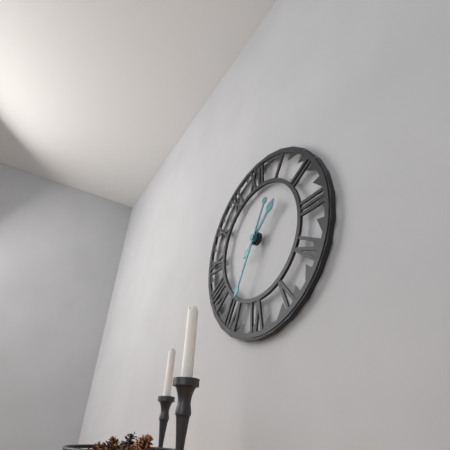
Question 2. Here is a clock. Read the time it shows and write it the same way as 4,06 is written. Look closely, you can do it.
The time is 1,35
